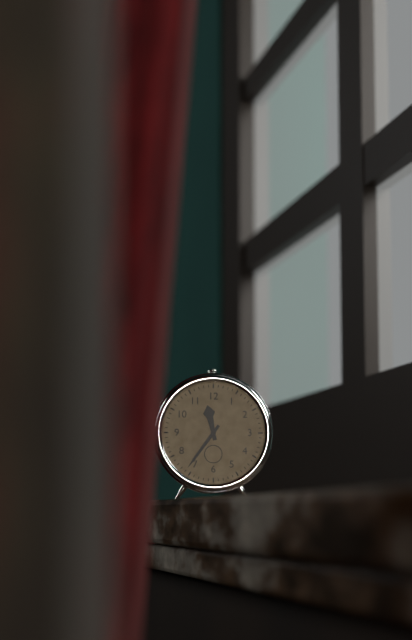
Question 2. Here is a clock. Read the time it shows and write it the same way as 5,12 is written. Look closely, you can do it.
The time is 11,36
